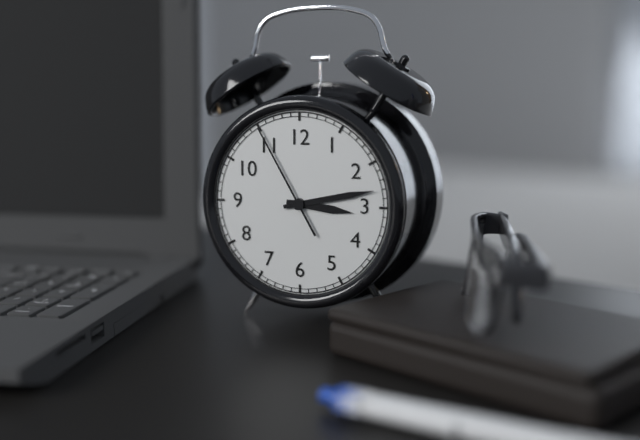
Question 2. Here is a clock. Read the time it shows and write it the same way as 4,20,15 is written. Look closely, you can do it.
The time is 3,13,55
